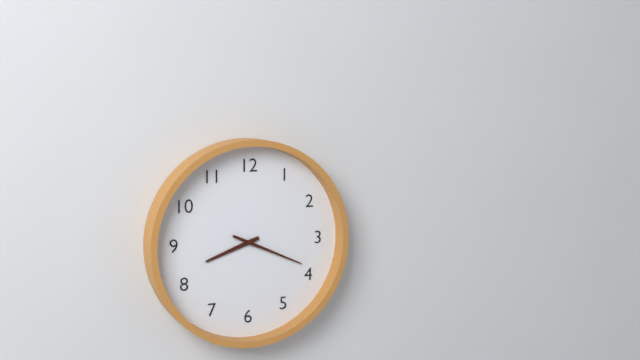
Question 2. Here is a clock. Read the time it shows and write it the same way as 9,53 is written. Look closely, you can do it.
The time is 8,19
